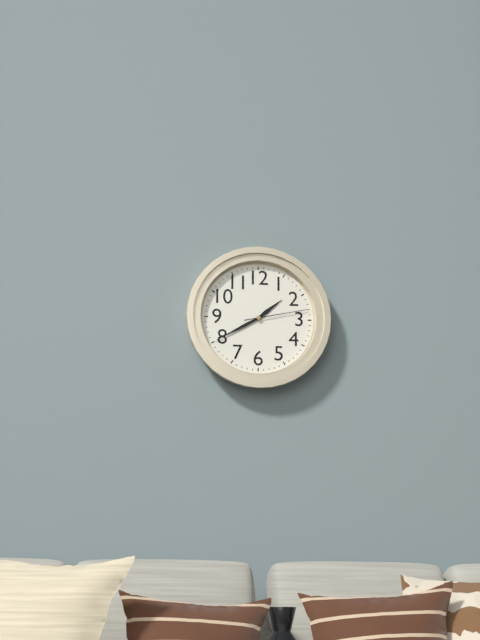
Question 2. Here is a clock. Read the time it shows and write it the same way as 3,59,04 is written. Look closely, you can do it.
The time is 1,40,13
